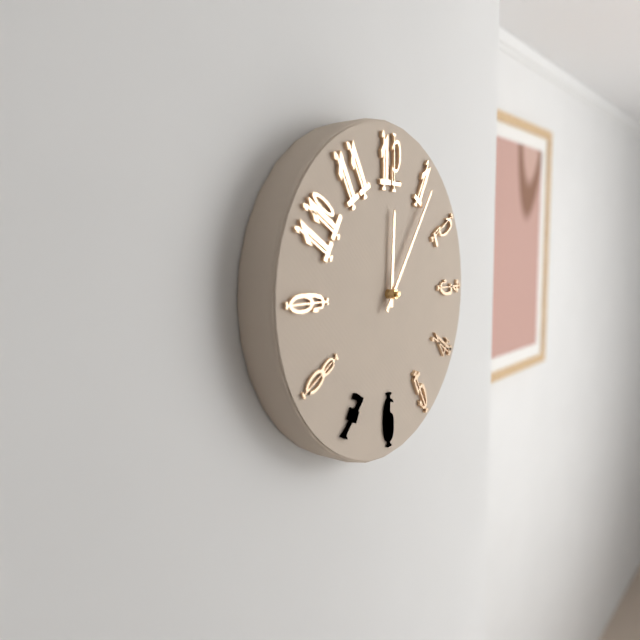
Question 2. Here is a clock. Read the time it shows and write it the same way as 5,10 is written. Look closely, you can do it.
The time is 12,06
